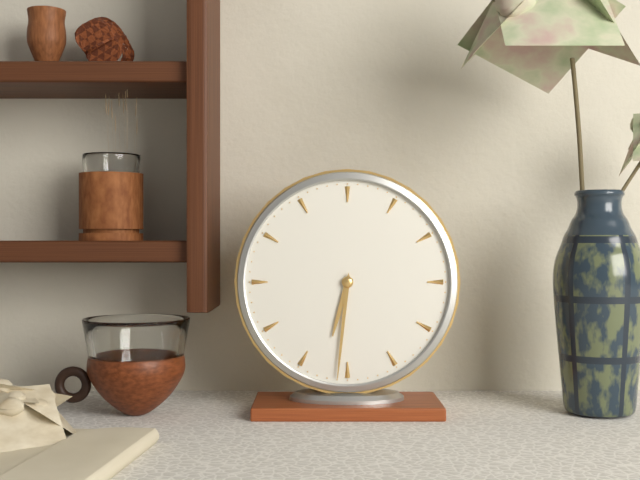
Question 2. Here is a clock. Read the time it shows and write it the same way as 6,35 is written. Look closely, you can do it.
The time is 6,31
